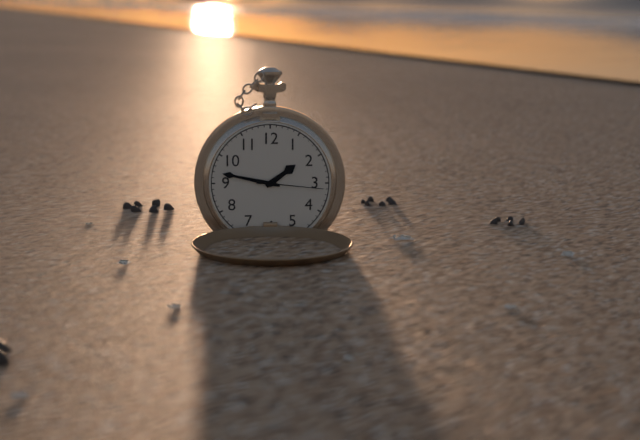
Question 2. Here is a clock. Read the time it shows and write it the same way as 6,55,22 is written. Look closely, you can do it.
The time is 1,47,16
